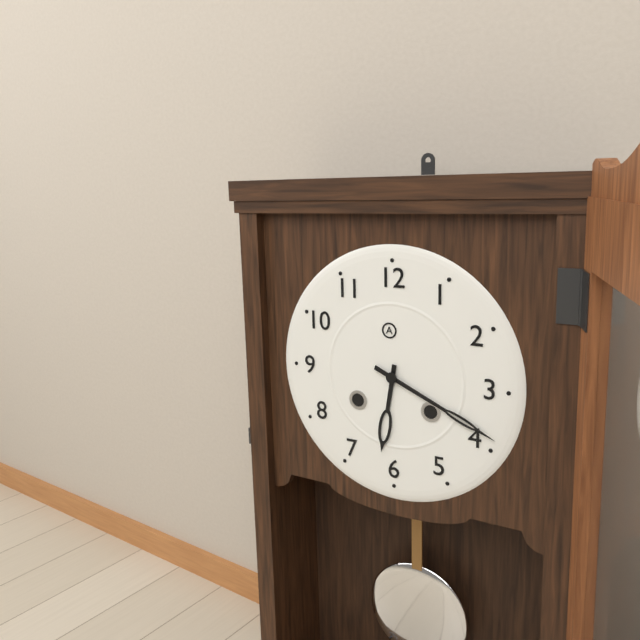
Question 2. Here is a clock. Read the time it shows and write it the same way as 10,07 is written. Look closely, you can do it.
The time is 6,19
